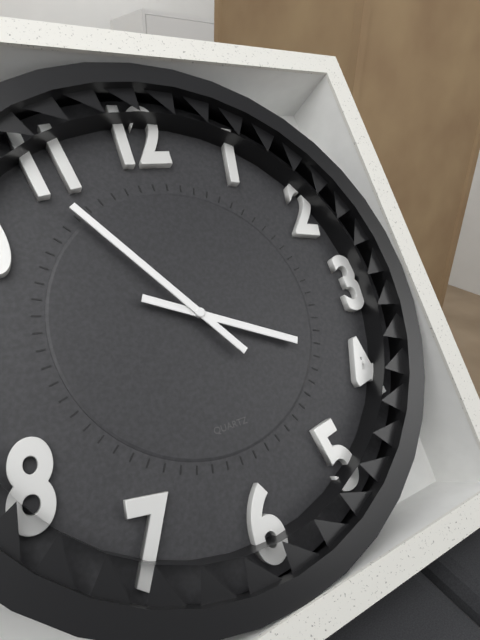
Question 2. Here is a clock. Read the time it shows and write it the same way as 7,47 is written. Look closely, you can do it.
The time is 3,54
